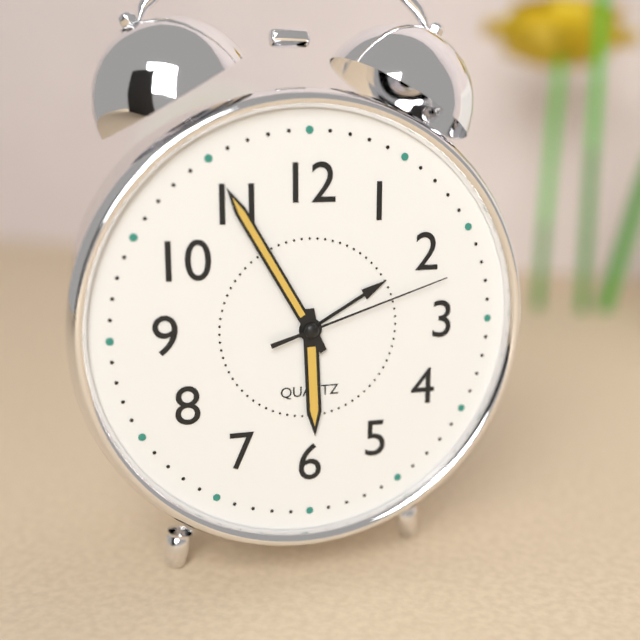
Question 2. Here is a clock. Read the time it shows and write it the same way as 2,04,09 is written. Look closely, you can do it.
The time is 5,55,12
